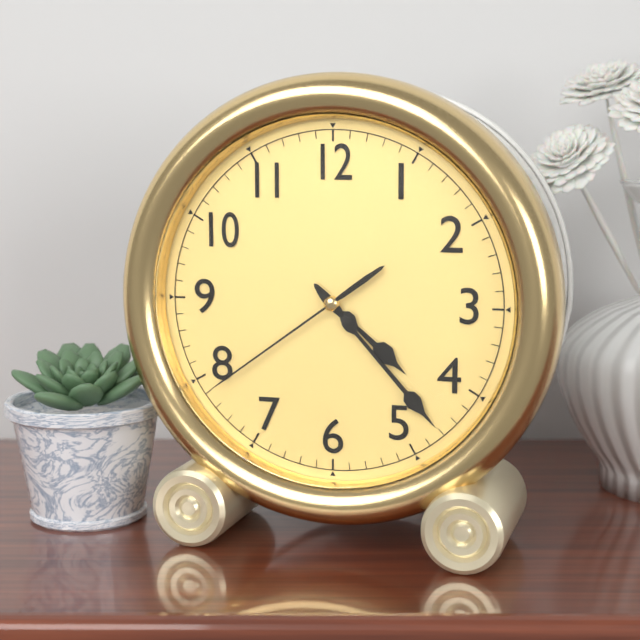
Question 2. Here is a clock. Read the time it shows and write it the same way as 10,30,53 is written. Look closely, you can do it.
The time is 4,23,39
